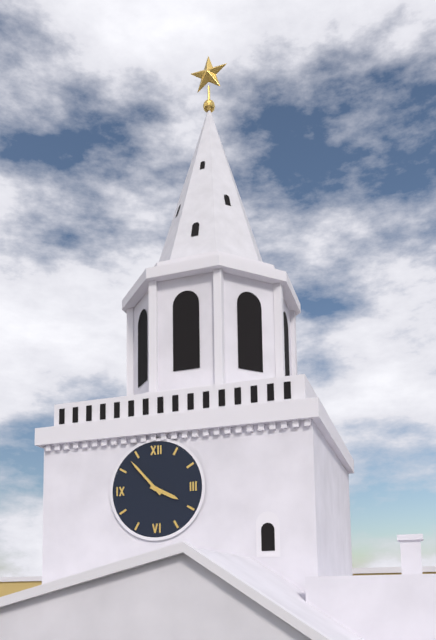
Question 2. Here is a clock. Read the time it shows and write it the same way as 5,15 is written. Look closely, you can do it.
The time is 3,53
